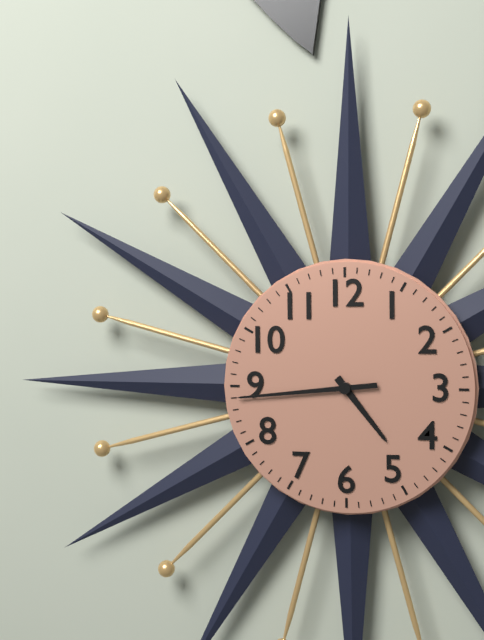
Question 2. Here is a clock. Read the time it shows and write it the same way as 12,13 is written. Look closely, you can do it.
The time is 4,44
